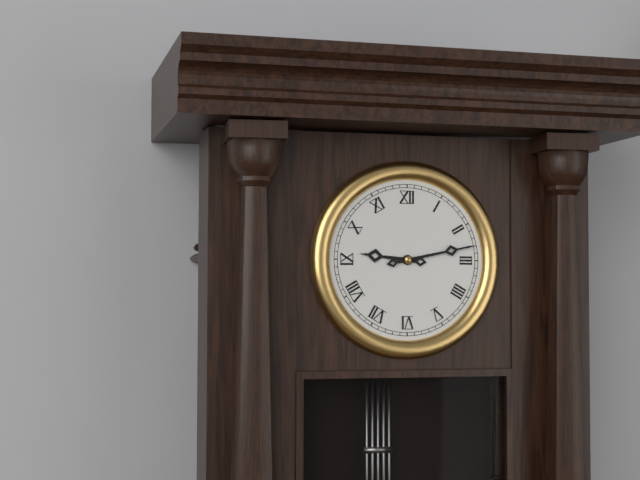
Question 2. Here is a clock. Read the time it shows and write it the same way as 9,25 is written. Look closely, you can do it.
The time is 9,13
